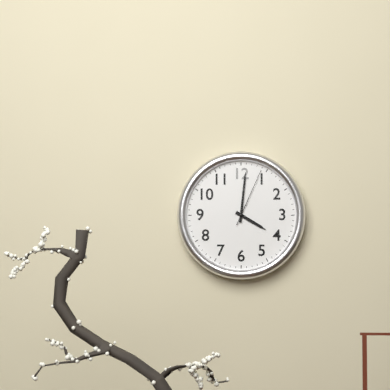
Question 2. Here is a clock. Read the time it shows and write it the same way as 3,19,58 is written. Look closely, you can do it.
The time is 4,01,04
